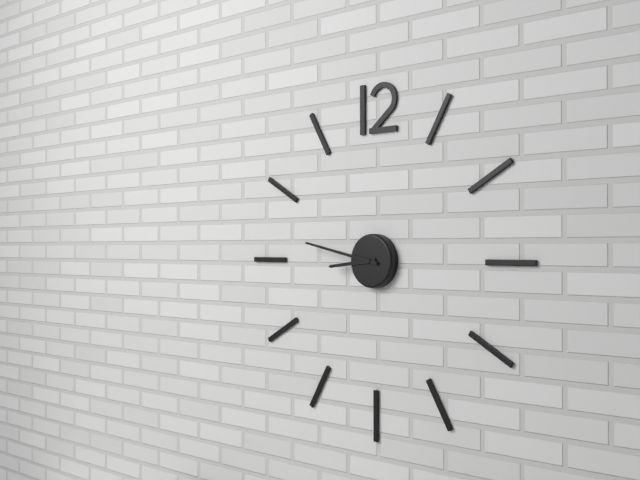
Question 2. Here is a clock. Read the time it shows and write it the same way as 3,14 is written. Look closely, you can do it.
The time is 8,47
